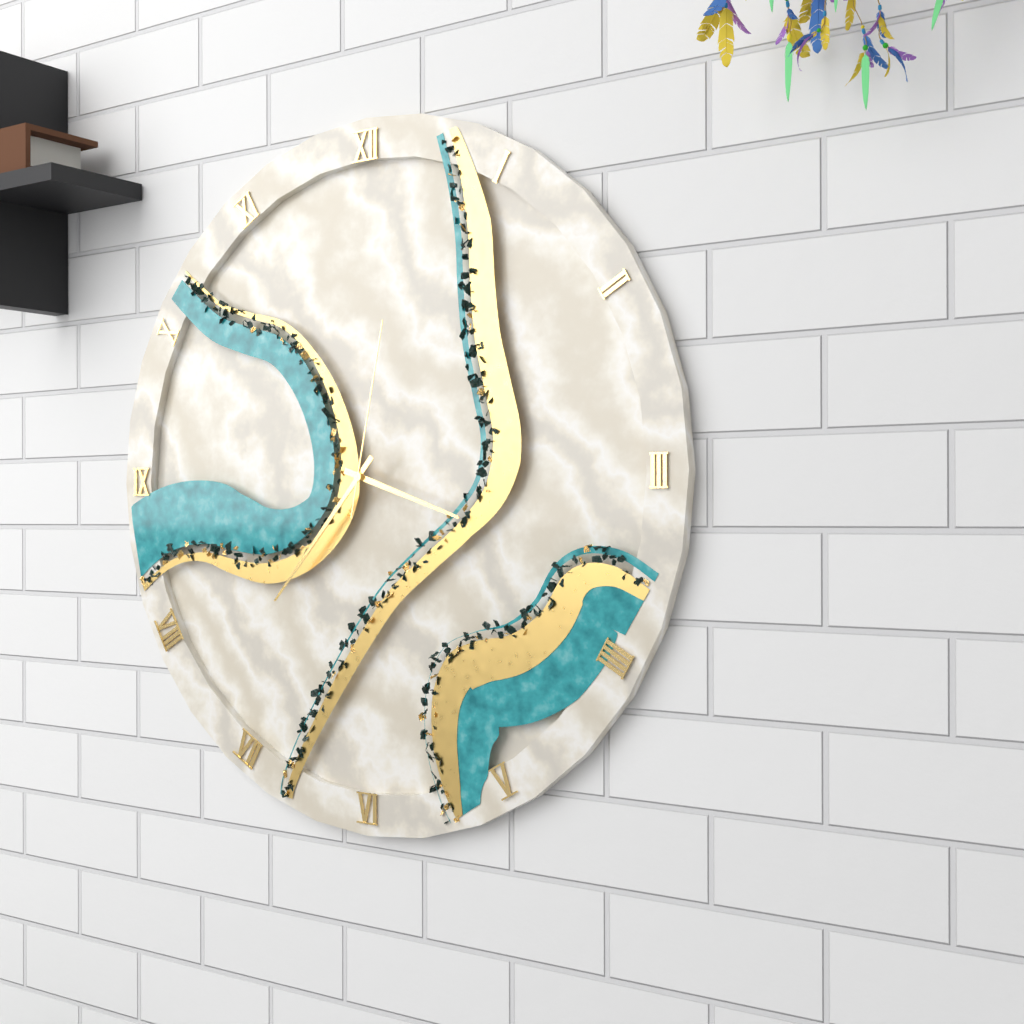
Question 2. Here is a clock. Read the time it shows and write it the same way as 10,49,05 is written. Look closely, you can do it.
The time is 3,37,02
